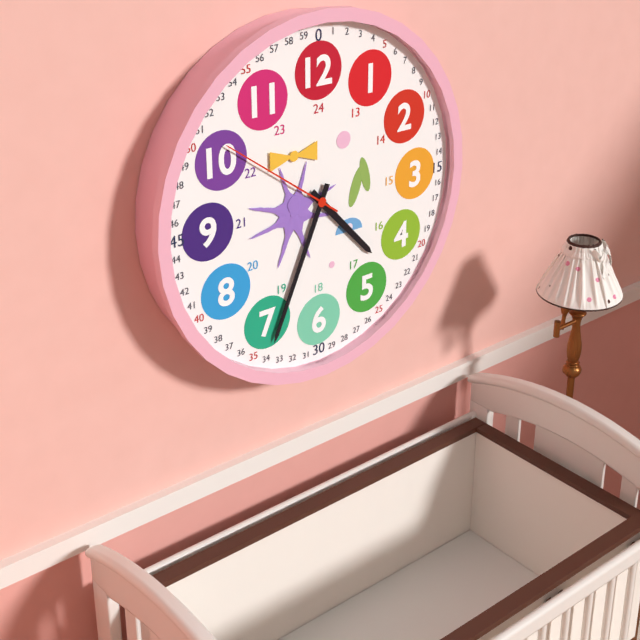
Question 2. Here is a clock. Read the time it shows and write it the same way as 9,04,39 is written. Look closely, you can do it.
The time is 4,34,51
